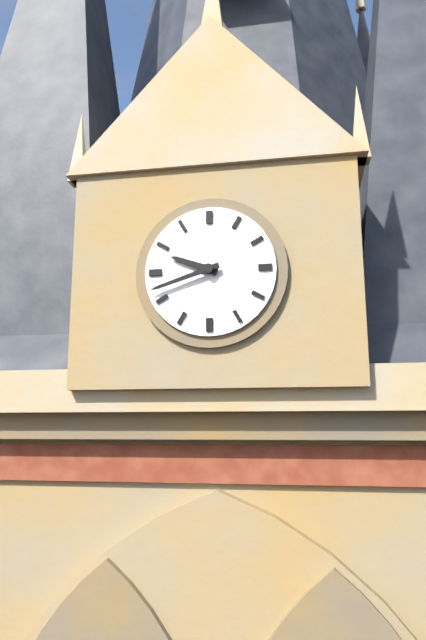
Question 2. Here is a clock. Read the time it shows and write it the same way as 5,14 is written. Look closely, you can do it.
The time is 9,42
